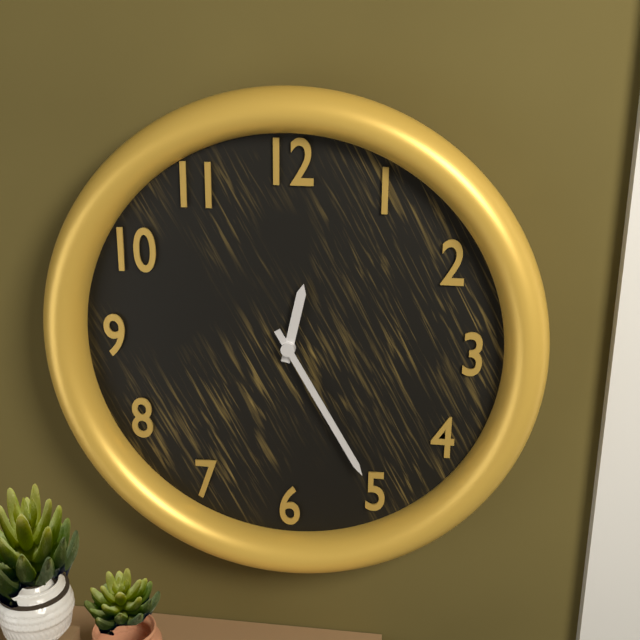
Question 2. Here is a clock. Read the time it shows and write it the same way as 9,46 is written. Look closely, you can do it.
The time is 12,25
